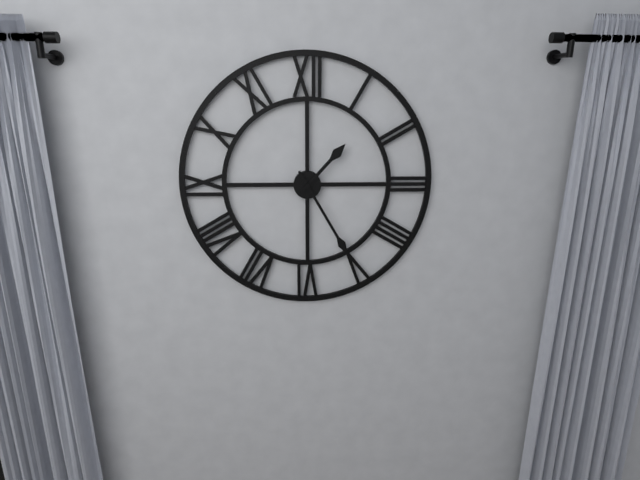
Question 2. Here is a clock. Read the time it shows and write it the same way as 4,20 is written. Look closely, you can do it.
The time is 1,25
